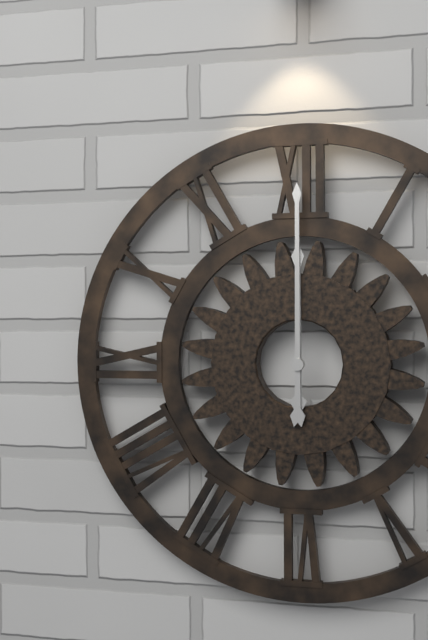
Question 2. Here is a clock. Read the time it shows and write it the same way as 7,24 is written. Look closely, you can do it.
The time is 12,00
